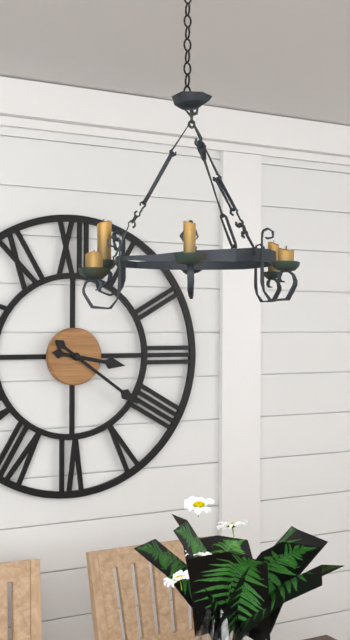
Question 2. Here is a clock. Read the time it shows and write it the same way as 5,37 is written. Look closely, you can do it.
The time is 3,21
